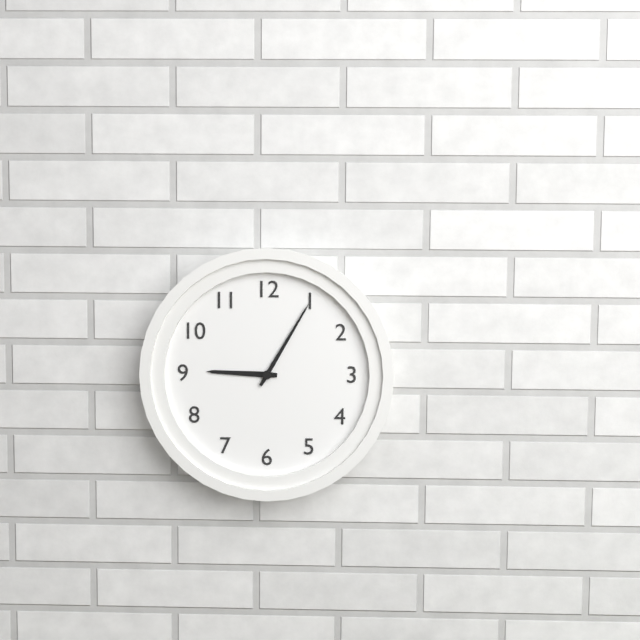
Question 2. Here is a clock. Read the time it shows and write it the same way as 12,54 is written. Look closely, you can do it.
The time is 9,05
